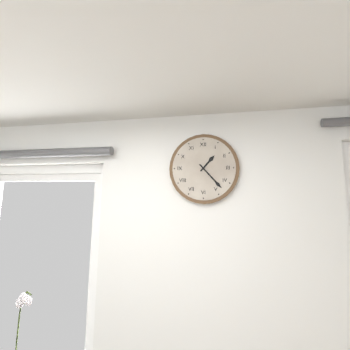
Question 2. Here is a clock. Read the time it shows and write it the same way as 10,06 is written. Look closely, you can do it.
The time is 1,23
